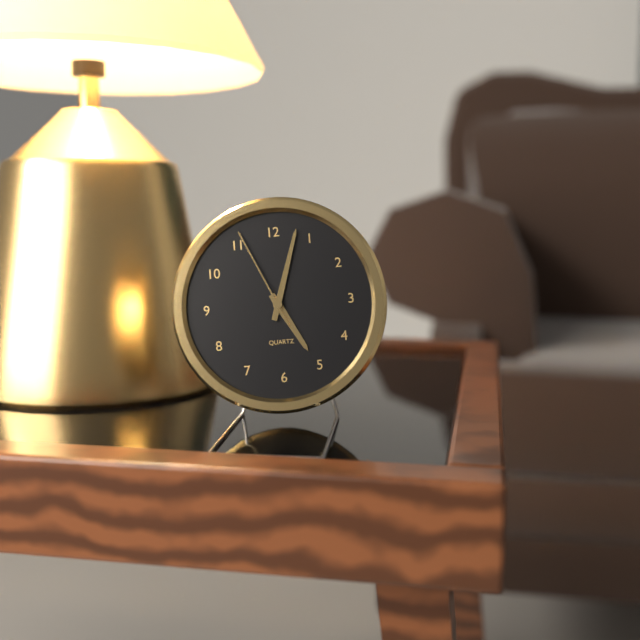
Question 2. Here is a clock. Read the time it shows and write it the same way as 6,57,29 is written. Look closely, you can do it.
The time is 5,03,56
